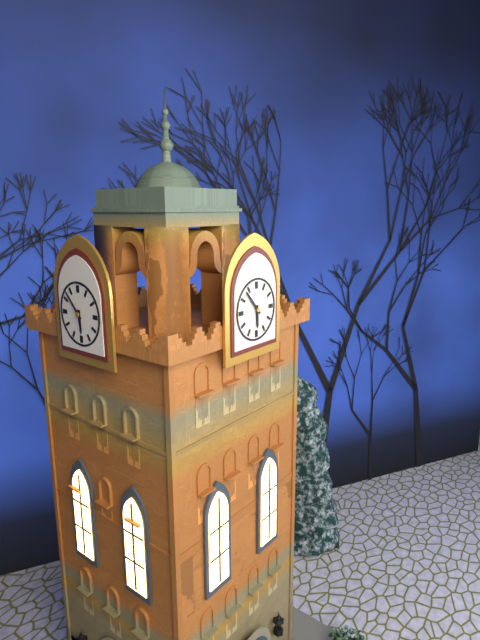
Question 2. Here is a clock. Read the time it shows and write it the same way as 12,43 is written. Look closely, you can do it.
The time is 5,53
